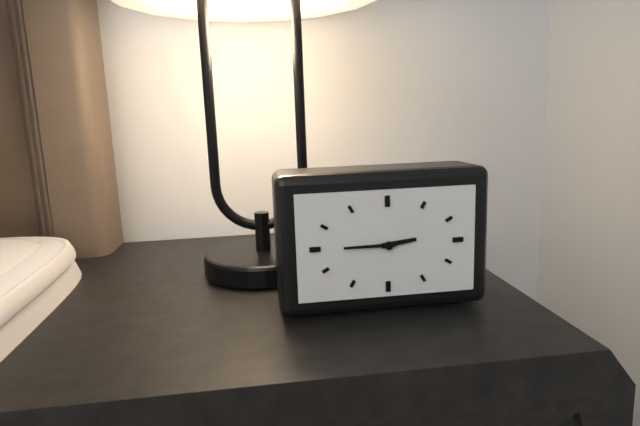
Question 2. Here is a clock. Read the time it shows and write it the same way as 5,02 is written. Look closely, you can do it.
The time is 2,45
